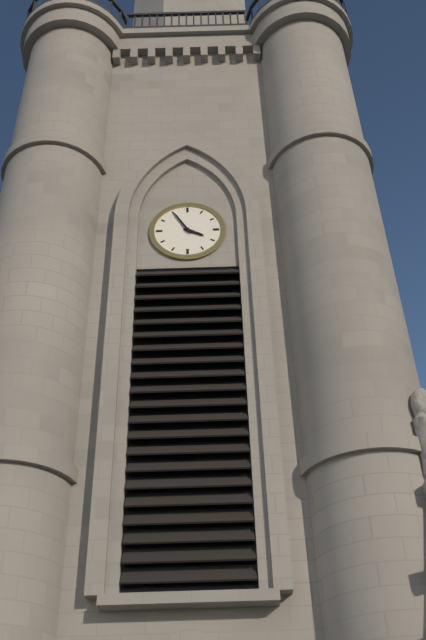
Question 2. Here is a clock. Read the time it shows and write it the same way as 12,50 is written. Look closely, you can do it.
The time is 3,55
